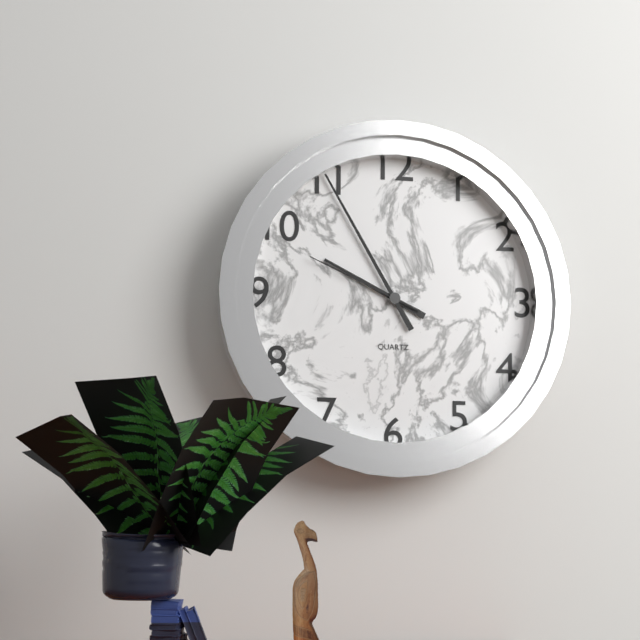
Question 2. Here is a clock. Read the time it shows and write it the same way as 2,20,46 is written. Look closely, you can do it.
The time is 9,55,49
